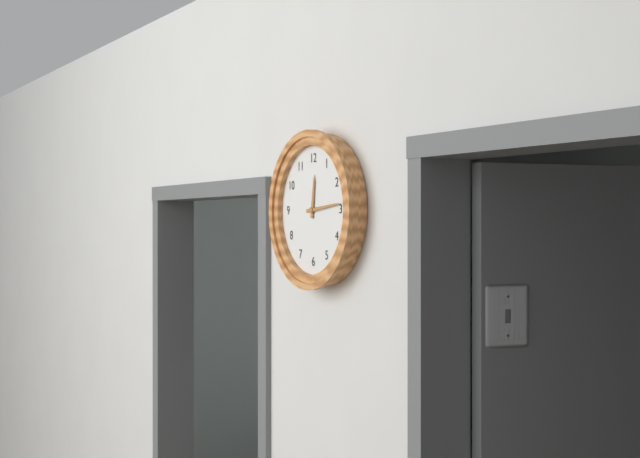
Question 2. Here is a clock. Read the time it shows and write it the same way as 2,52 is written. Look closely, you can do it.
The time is 12,14
